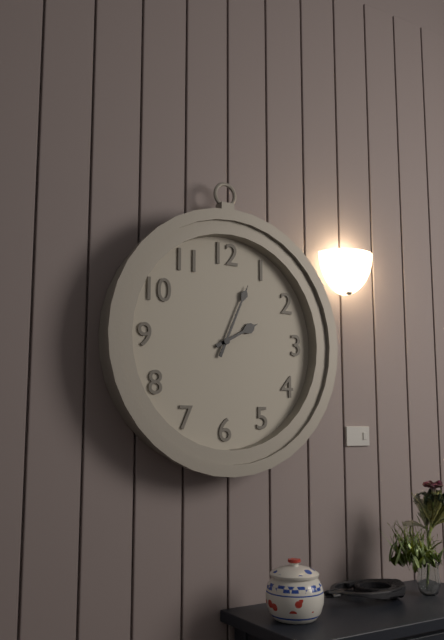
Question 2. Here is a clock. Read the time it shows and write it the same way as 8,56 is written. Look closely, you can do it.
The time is 2,04
